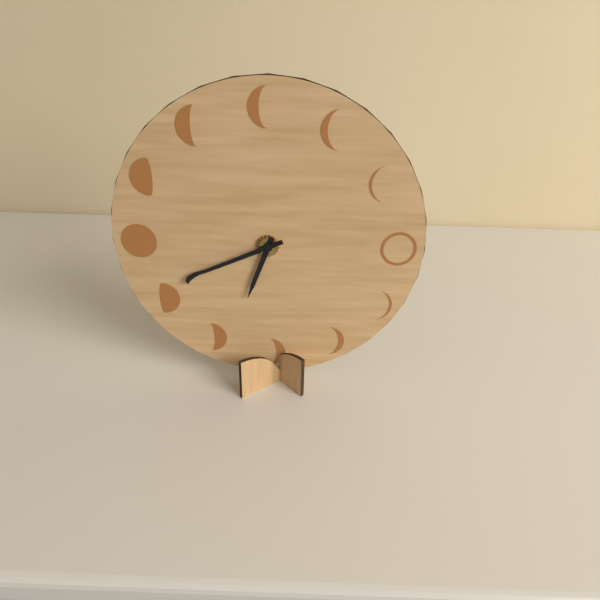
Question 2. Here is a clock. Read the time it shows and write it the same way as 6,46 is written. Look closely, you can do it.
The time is 6,41
